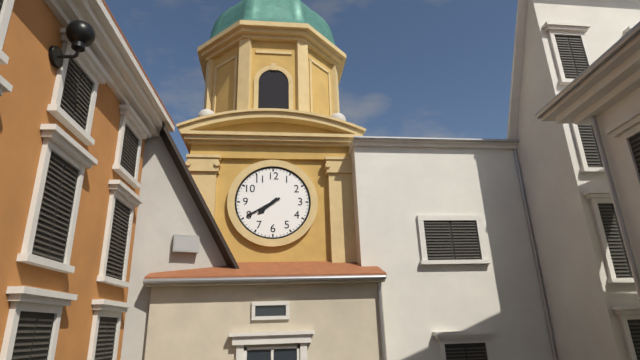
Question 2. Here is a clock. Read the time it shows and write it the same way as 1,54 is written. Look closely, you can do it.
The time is 7,40
